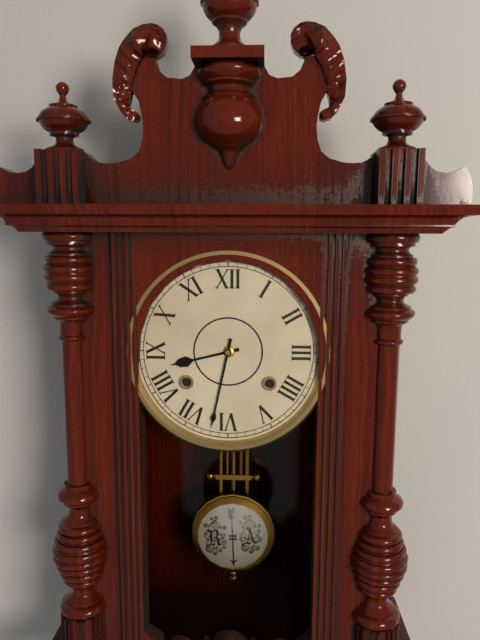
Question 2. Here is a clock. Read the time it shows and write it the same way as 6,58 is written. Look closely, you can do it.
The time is 8,32
